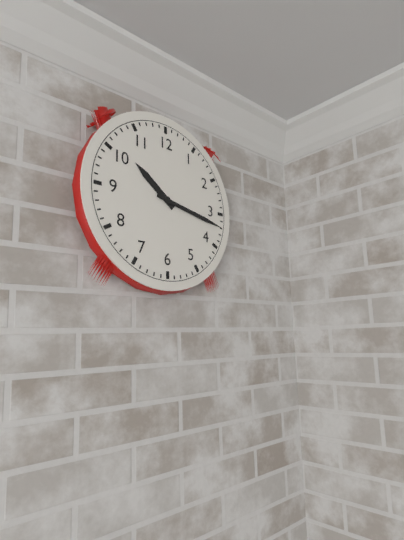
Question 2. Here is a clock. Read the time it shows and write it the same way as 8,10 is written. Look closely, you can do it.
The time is 10,17
